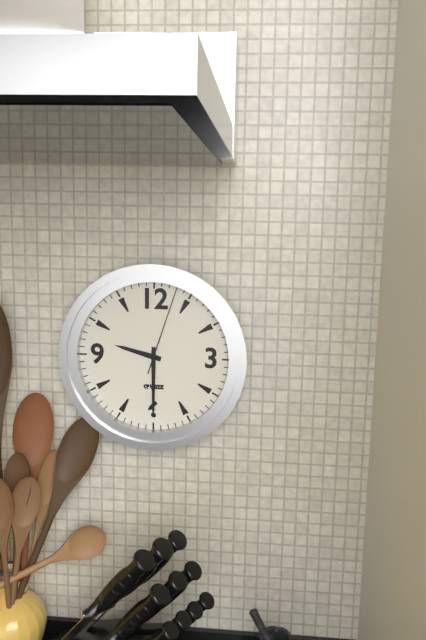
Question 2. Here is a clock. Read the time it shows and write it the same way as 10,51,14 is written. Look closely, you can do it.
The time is 9,30,03
